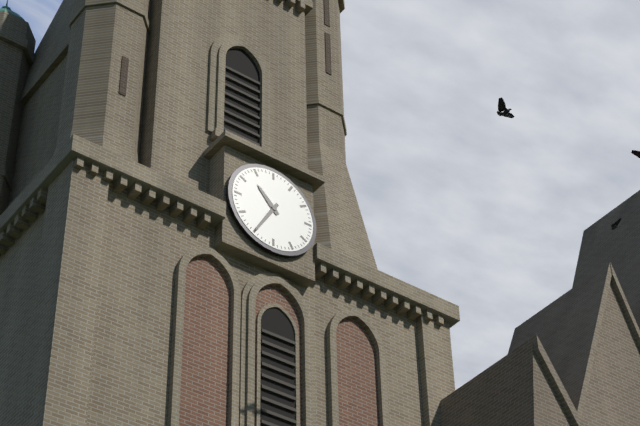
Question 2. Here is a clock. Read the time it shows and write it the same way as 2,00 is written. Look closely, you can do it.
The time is 10,35
